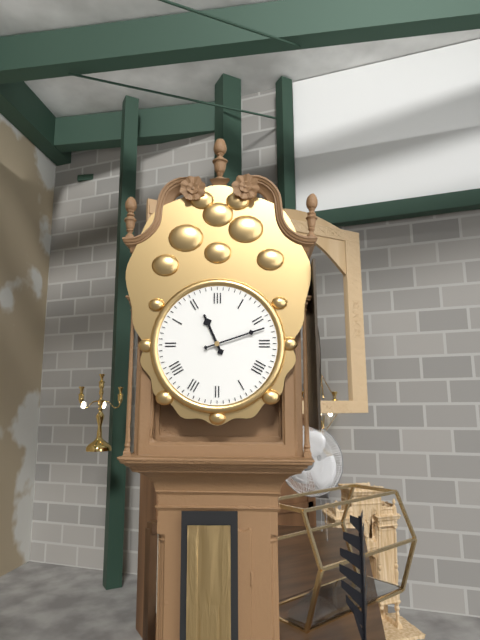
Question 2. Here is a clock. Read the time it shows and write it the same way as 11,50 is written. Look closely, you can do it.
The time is 11,12
